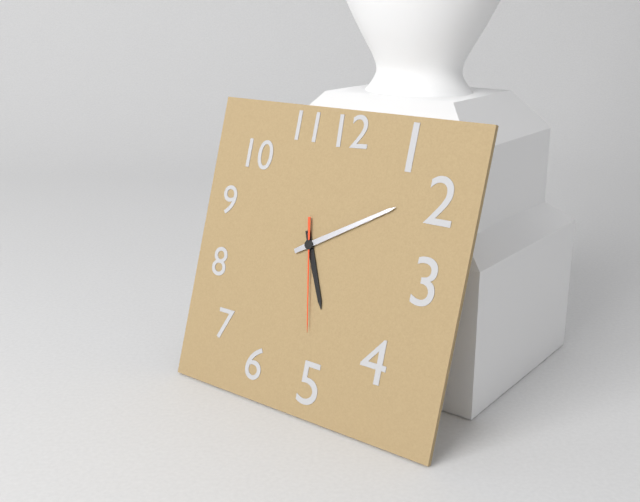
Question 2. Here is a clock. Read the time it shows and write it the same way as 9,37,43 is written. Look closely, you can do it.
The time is 5,10,28
